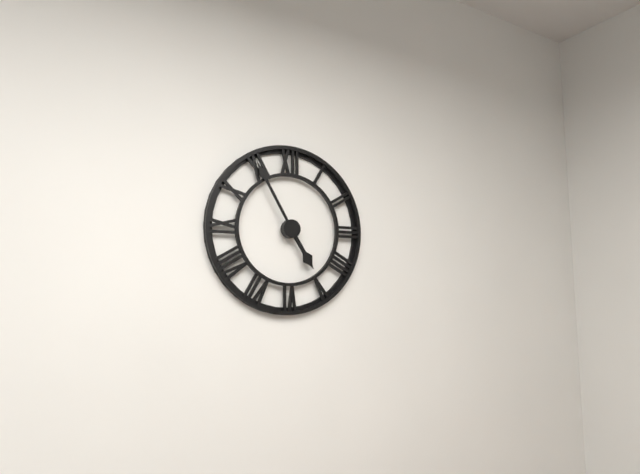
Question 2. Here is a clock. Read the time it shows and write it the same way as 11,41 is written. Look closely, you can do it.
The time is 4,55
